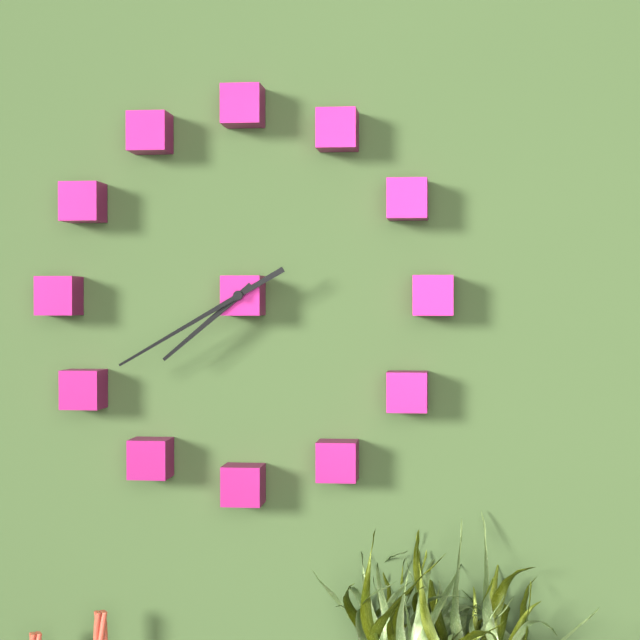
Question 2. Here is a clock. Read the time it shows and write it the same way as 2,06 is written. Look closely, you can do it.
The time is 7,40
